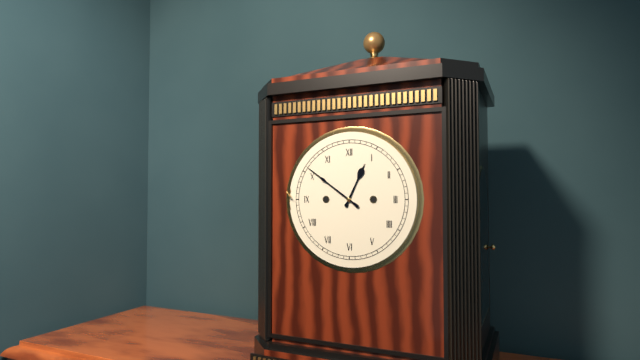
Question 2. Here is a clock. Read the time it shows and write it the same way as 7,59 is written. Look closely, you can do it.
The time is 12,51
